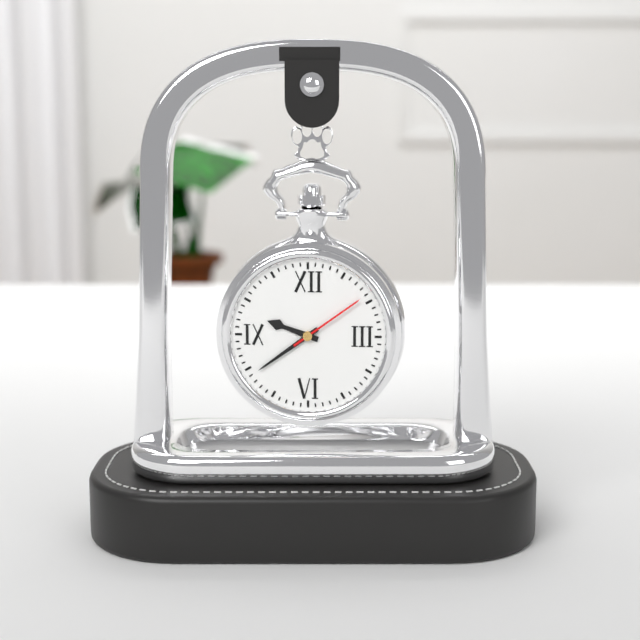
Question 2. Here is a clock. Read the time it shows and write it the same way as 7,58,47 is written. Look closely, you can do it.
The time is 9,39,09
